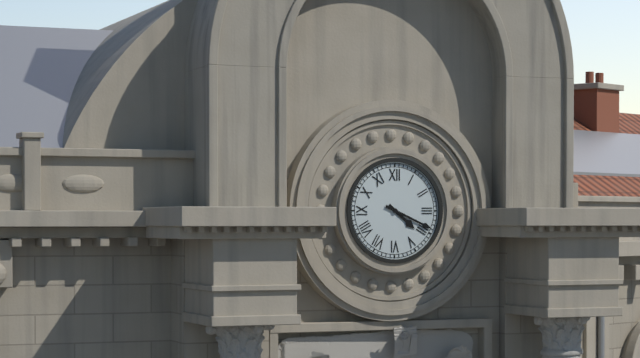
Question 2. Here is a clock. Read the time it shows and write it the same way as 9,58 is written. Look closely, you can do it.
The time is 4,19
